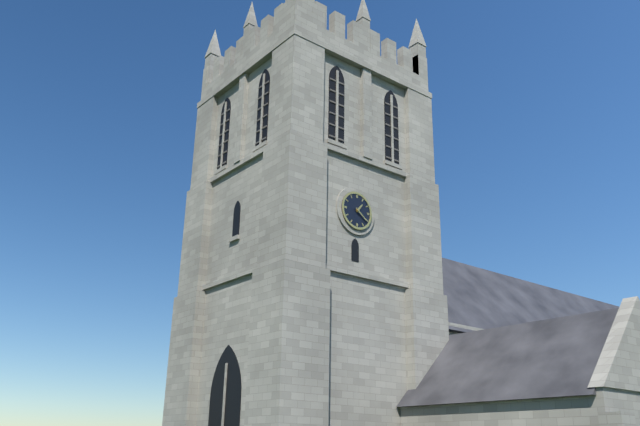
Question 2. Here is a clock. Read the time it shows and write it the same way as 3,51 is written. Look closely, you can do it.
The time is 1,21
